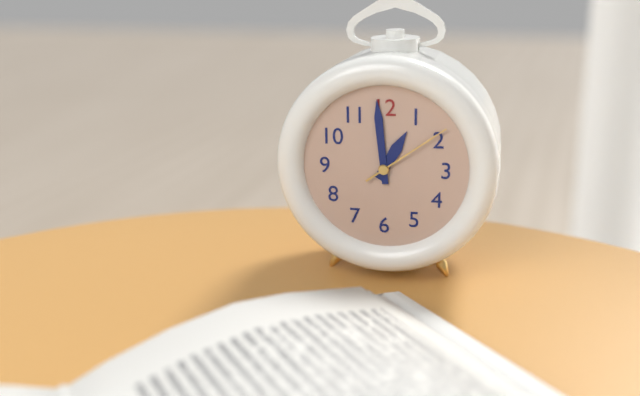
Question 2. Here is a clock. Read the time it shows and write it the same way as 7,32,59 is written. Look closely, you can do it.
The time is 12,59,09
